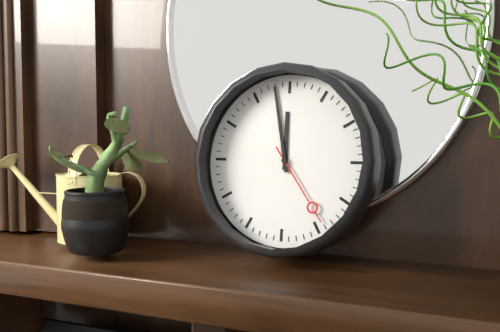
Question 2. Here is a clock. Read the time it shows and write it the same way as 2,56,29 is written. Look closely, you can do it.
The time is 11,58,24
